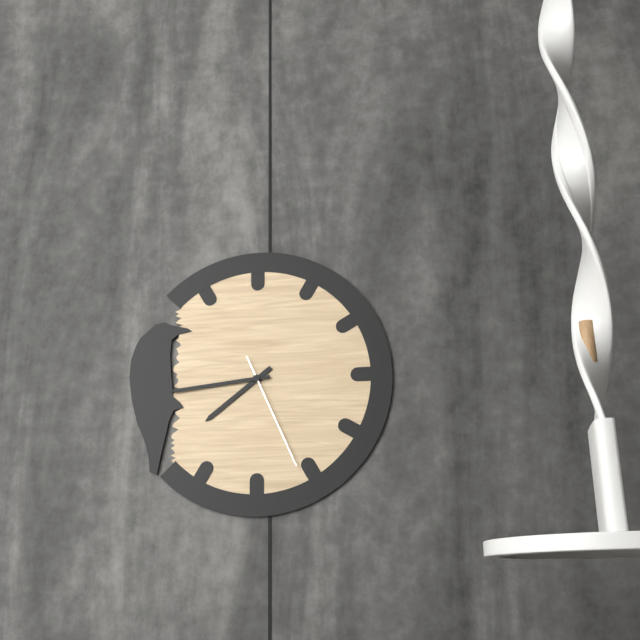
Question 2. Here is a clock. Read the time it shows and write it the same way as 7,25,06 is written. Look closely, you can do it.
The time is 7,44,26
